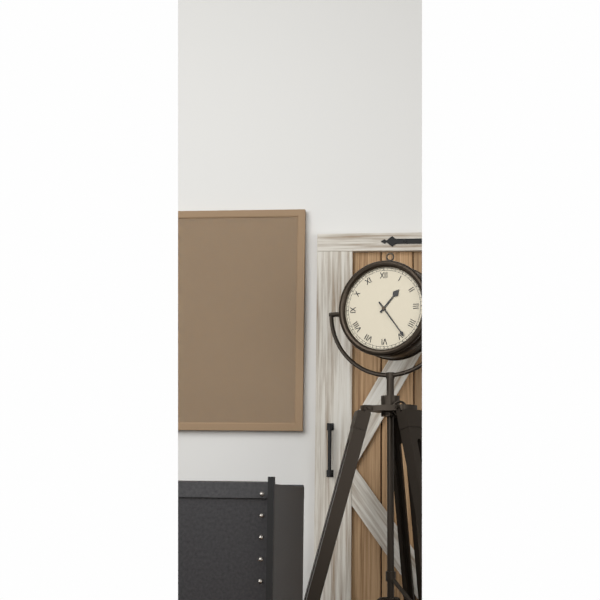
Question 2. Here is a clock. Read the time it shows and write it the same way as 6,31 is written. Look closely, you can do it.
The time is 1,24
